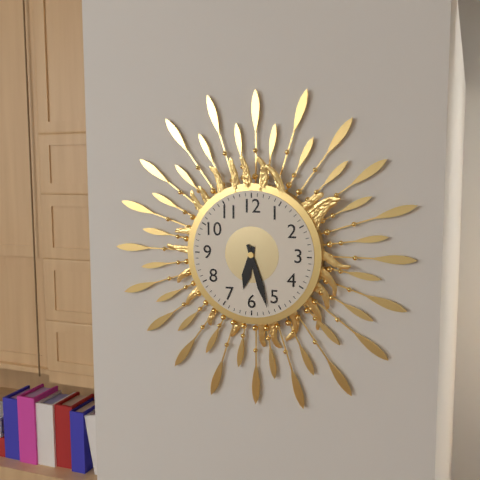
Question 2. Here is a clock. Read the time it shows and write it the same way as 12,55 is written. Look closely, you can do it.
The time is 6,27
